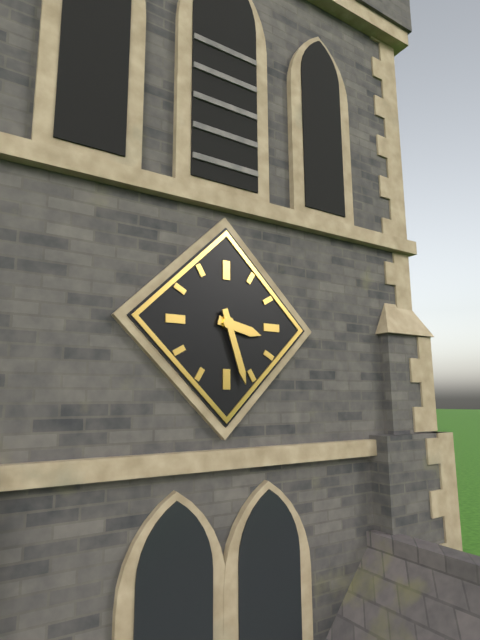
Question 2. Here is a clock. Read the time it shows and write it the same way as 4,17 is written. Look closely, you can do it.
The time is 3,27
